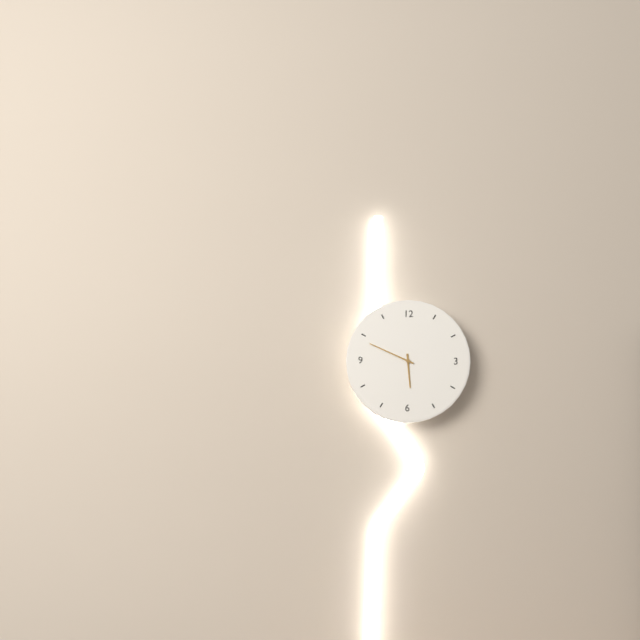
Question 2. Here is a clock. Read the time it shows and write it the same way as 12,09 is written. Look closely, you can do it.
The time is 5,49
